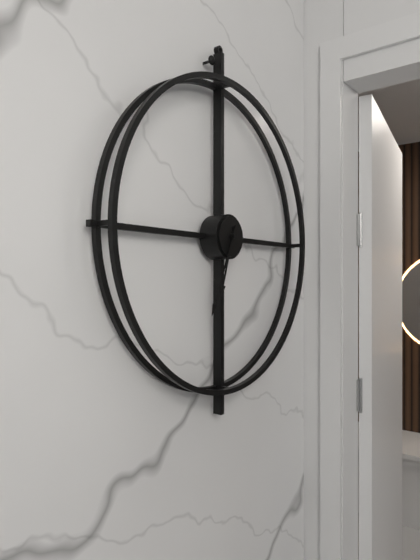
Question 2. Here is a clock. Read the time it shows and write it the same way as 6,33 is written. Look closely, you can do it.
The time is 6,34
